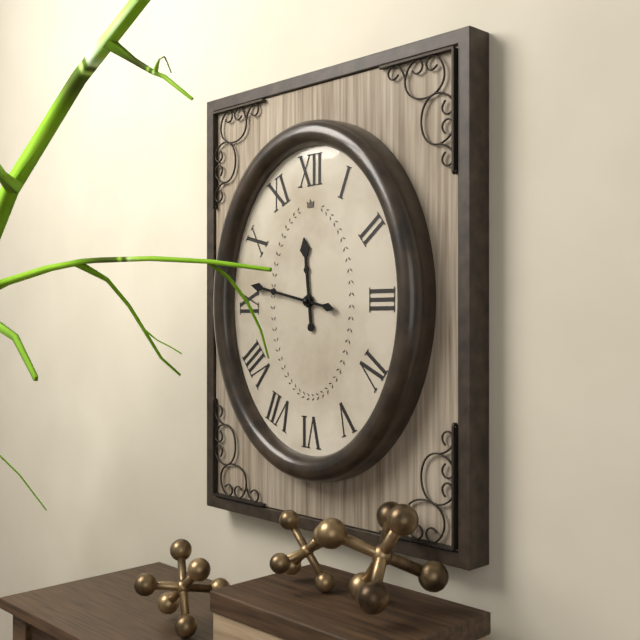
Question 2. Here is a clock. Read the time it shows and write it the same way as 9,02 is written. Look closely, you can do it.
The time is 11,47
